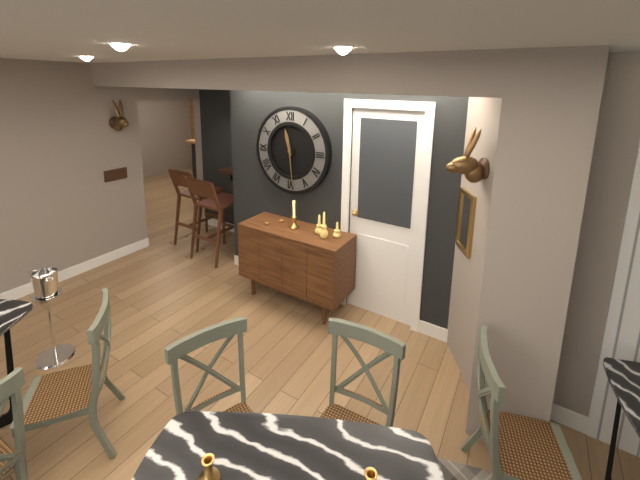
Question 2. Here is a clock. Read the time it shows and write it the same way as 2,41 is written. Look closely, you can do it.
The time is 11,29
